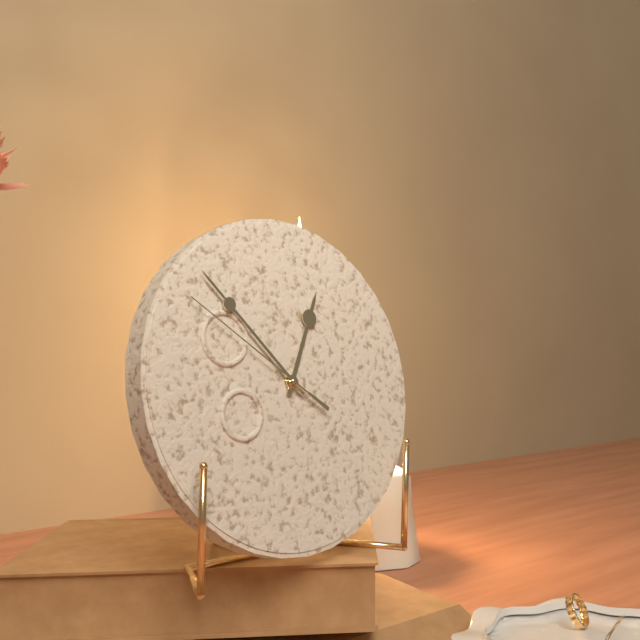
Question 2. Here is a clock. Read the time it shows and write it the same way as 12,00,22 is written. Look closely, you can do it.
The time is 12,53,51
